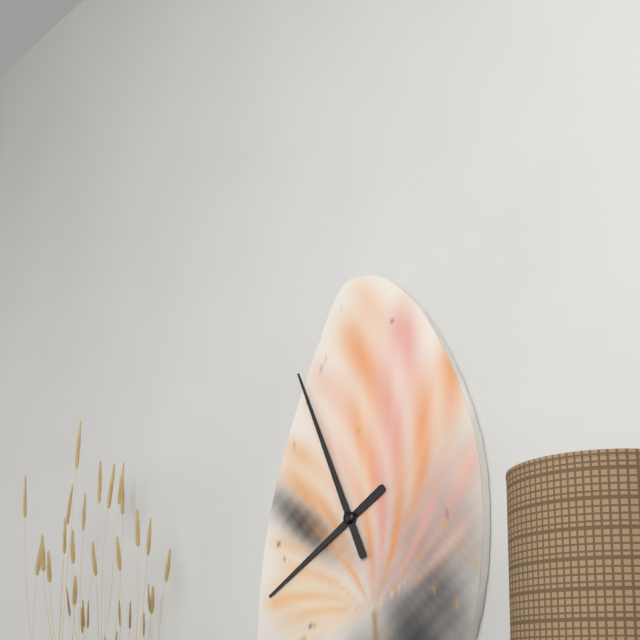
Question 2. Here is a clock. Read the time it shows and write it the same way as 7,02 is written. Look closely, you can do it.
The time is 7,56
